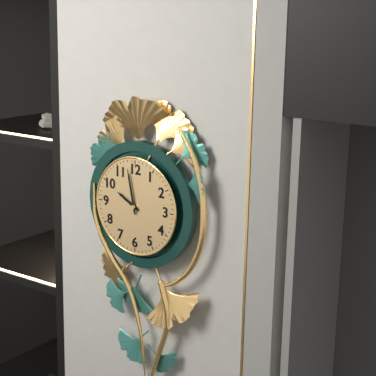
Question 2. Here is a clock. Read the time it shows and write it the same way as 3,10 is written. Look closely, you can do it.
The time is 9,58
